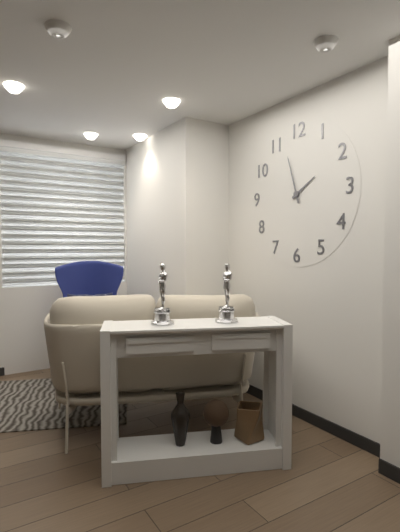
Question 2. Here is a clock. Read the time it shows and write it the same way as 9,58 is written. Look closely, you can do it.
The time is 1,57
